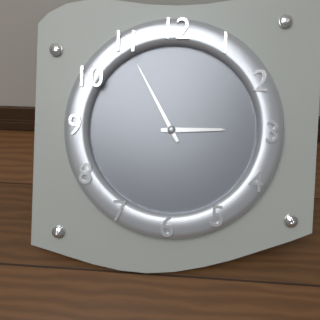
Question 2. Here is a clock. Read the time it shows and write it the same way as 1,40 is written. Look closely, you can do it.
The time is 2,55
